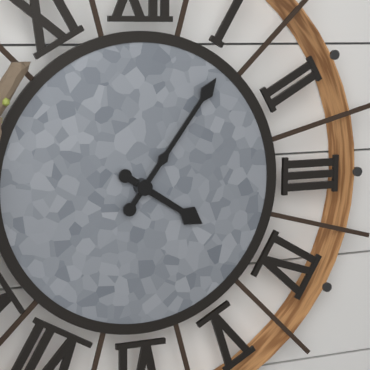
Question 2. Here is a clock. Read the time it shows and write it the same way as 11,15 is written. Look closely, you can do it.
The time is 4,06
